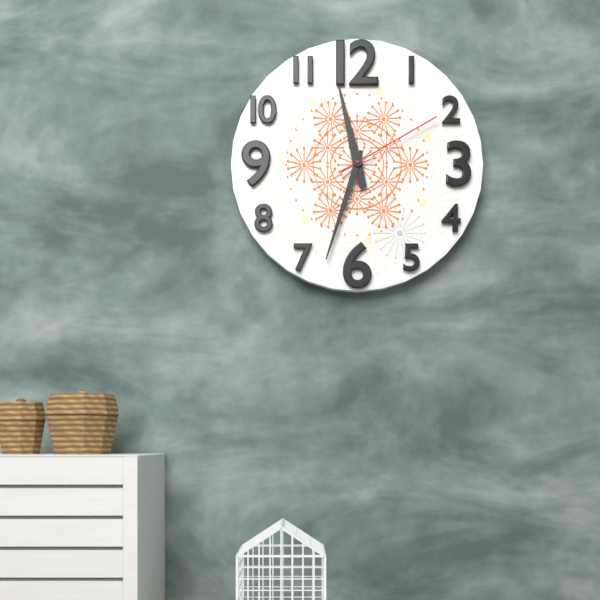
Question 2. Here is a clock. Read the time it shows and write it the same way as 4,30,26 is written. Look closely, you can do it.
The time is 11,33,10
